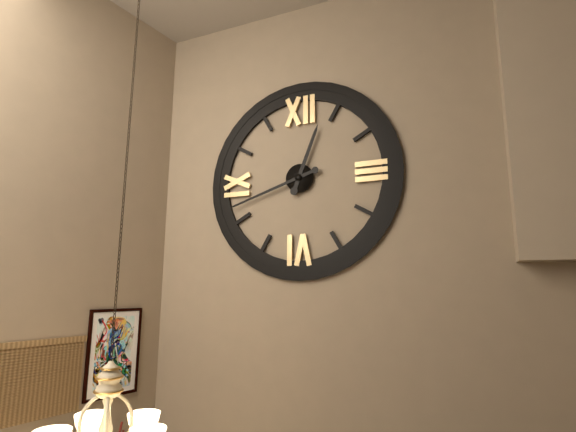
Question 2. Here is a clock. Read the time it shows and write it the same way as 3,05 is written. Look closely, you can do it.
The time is 12,42
